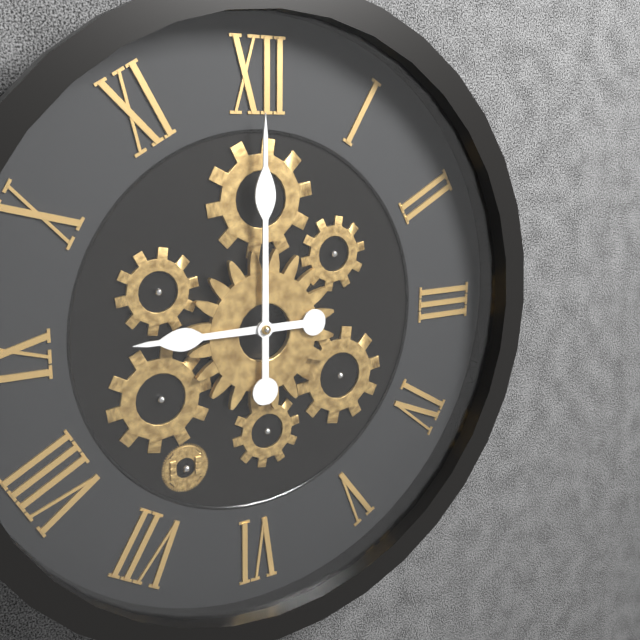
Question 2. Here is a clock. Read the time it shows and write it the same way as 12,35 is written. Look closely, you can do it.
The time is 9,00
